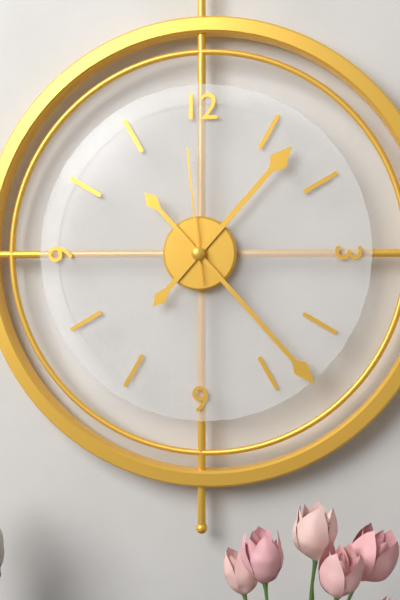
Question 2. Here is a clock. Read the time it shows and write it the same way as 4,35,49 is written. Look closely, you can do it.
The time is 1,23,59
